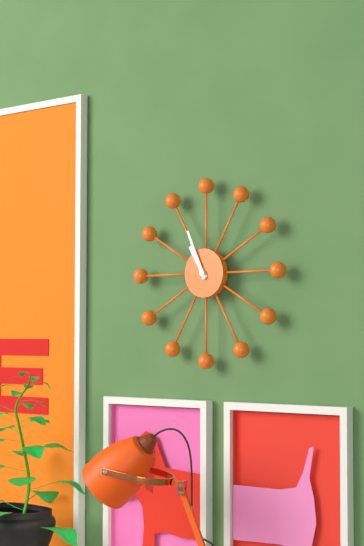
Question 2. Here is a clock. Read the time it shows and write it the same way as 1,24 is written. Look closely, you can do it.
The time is 10,56
